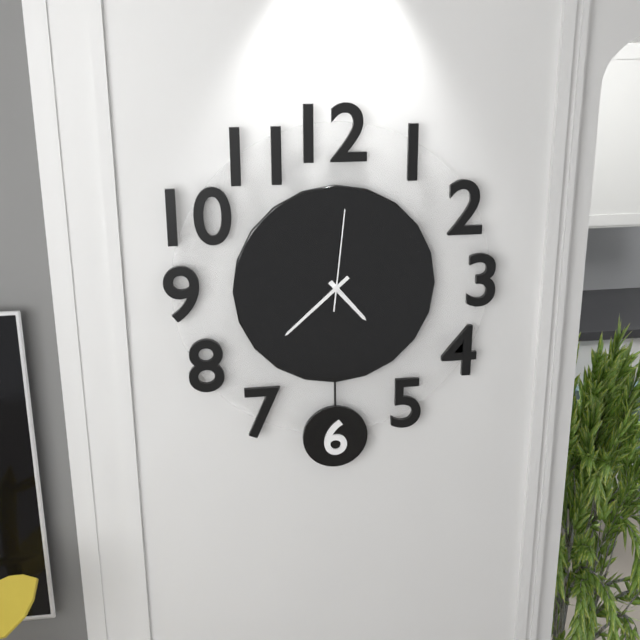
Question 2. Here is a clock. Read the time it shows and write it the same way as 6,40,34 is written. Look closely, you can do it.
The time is 4,38,01
